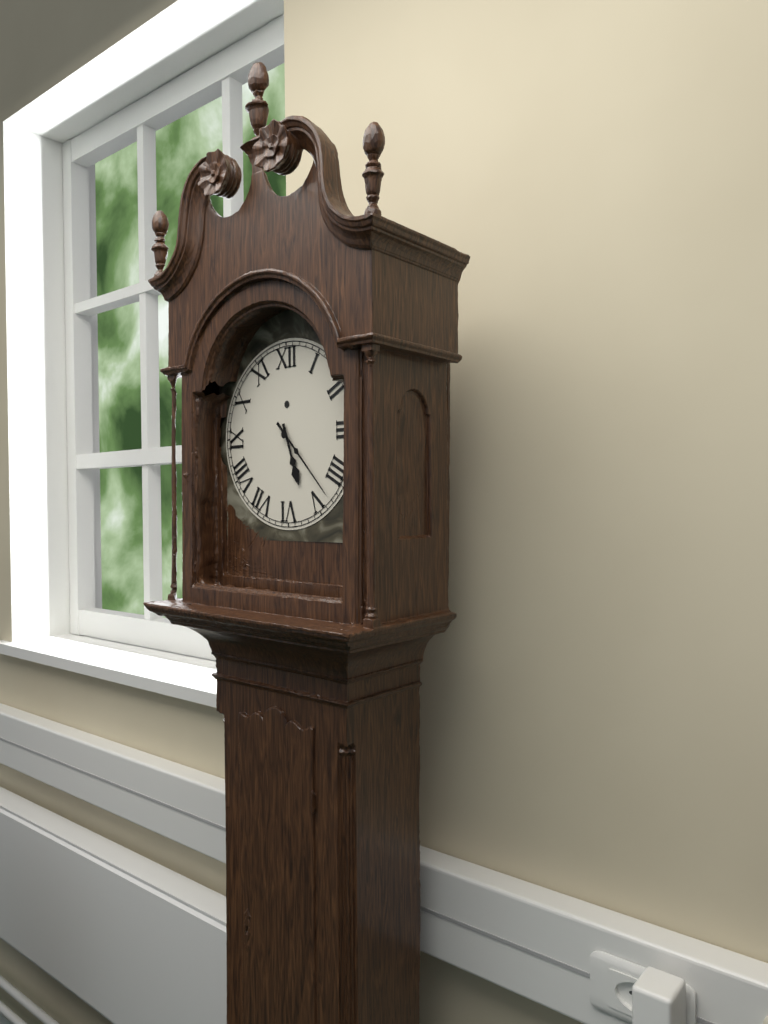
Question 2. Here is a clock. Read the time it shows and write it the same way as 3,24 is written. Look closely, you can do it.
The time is 5,23
